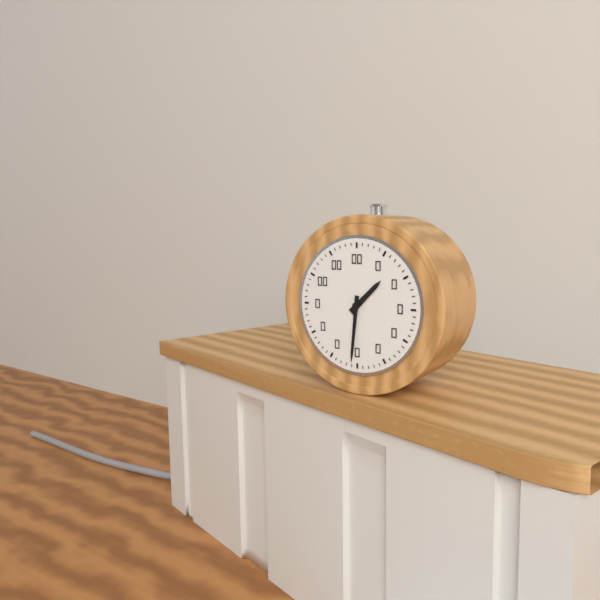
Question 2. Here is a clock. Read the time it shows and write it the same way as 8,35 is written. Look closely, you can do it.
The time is 1,31
